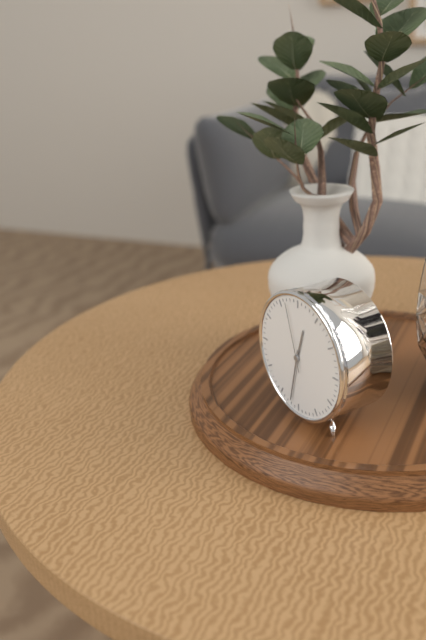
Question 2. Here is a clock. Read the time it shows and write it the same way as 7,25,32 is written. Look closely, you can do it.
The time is 12,32,57
